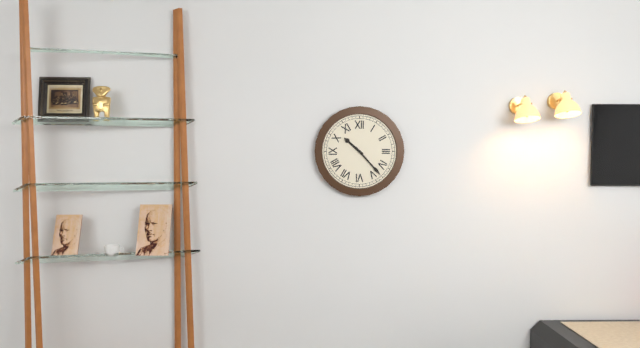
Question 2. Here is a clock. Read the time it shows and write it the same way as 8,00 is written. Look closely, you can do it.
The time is 10,23
